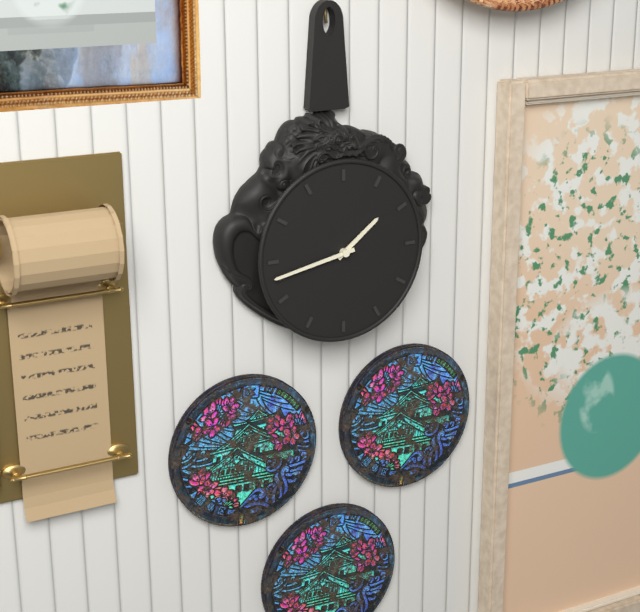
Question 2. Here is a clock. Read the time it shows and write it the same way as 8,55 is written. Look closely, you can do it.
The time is 1,43
